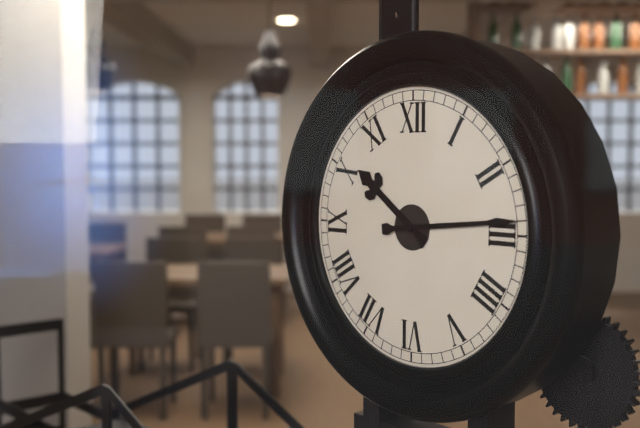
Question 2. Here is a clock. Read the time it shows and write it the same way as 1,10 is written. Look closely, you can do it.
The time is 10,14
